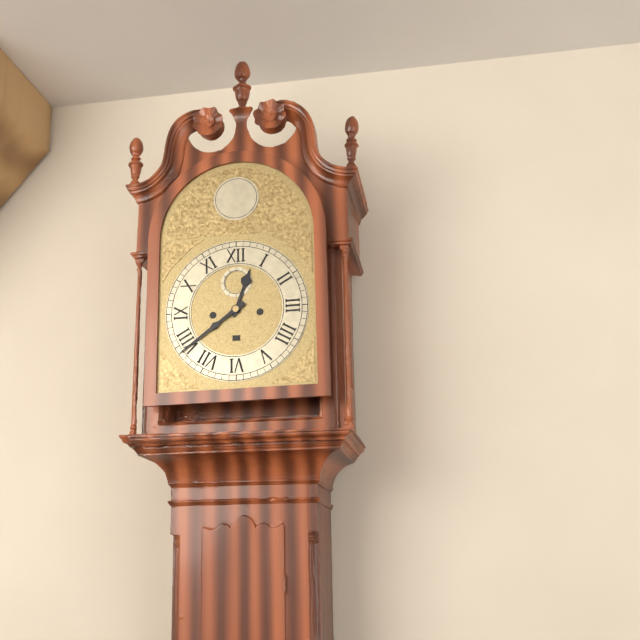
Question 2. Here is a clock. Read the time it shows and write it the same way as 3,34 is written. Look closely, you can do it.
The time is 12,39
